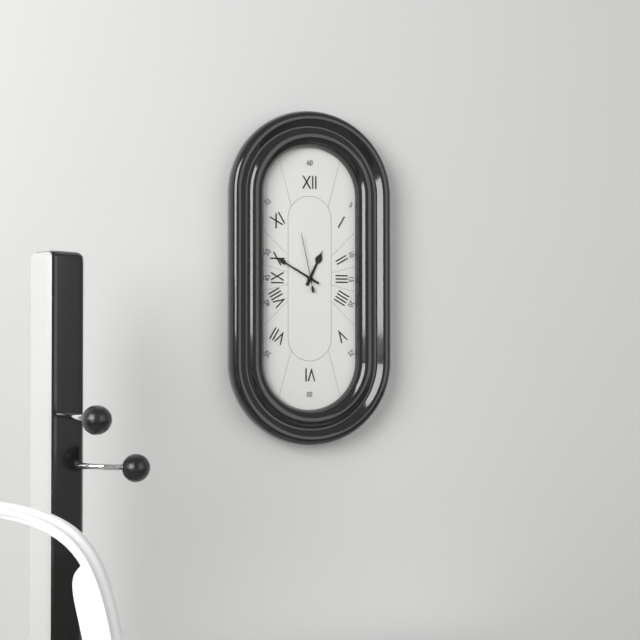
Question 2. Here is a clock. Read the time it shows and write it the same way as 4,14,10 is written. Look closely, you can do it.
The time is 12,50,58
